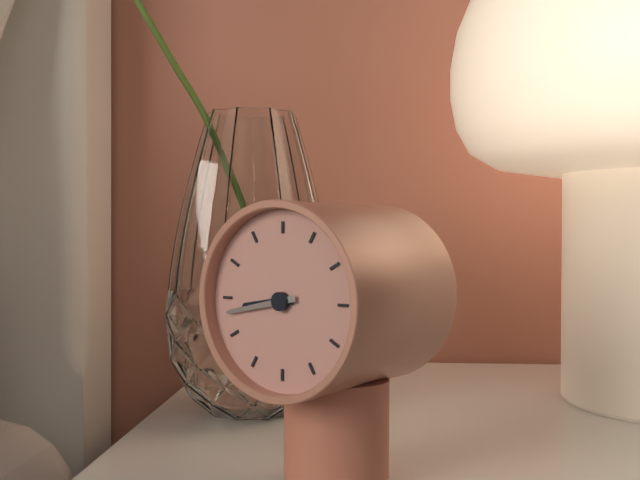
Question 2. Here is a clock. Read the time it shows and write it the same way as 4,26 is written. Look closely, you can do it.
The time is 8,43
